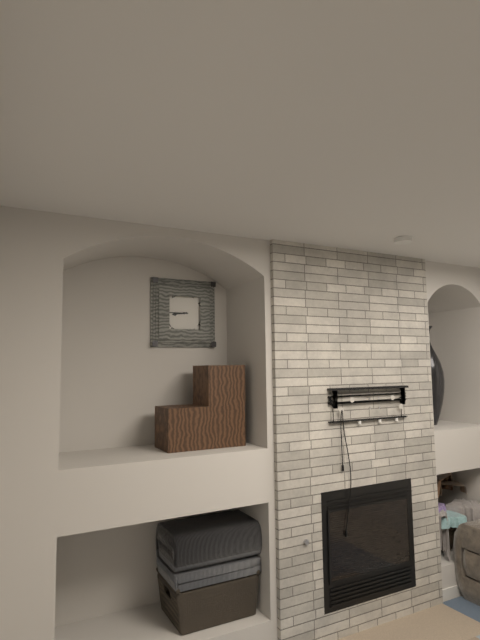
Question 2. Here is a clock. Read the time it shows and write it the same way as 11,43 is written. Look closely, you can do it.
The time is 8,45
